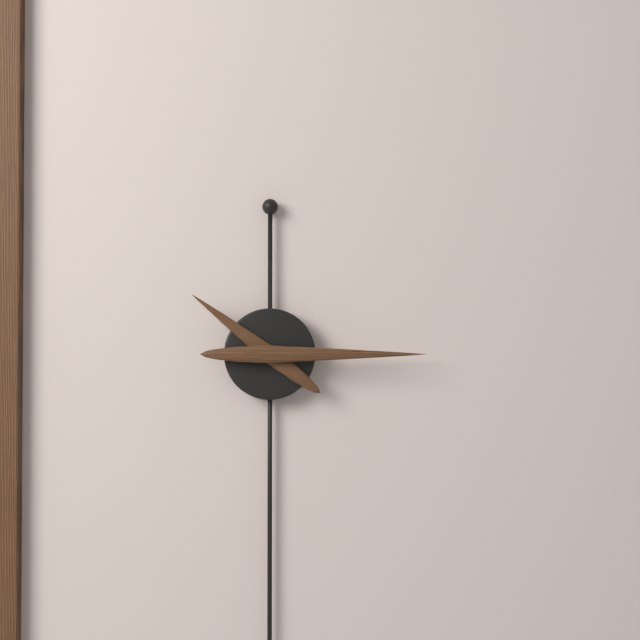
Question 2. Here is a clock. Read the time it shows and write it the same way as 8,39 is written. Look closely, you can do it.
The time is 10,15
